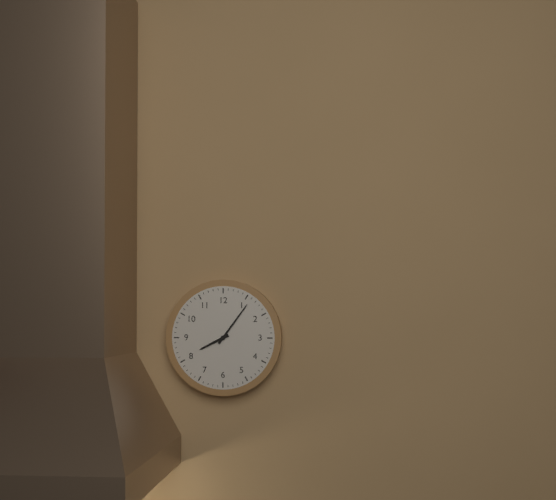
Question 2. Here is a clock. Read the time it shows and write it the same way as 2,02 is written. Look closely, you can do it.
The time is 8,06
